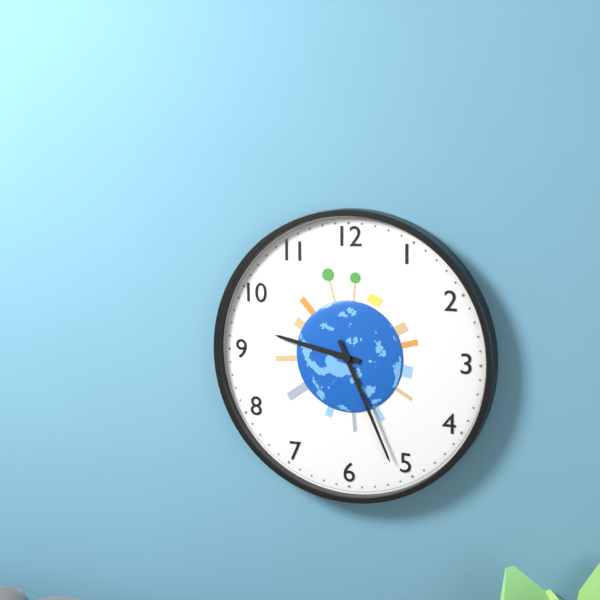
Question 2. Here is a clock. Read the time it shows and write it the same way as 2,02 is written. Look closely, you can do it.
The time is 9,26
